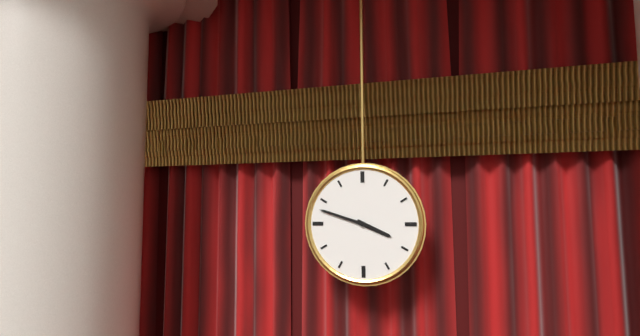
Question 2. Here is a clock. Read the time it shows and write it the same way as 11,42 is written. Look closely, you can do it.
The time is 3,48
